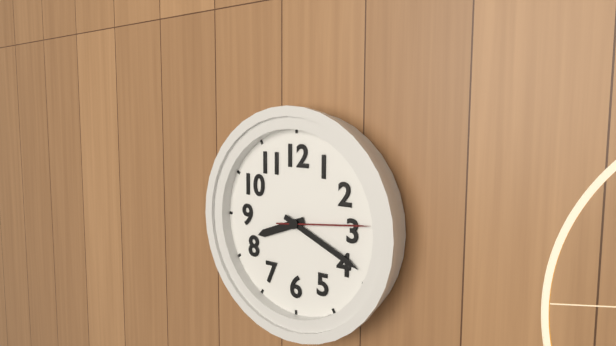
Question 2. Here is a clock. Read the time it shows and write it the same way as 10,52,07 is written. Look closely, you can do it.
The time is 8,19,14
